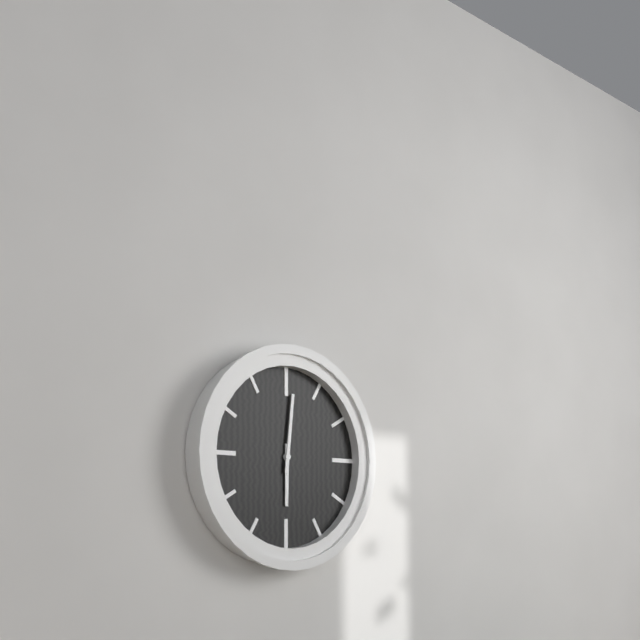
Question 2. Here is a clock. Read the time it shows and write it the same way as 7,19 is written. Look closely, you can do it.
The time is 6,01
